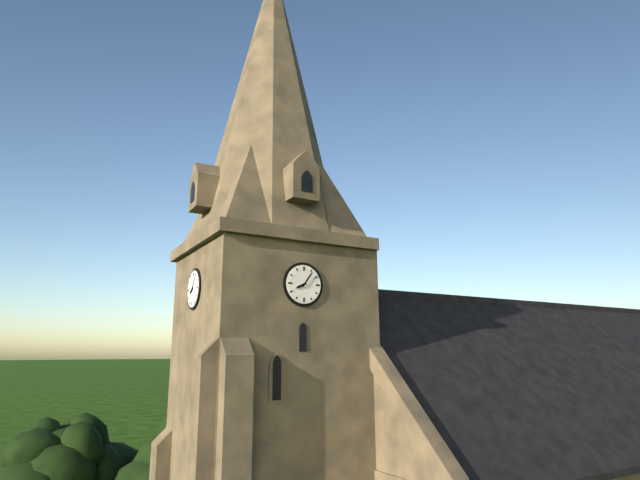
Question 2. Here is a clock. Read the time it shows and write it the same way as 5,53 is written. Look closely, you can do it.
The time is 8,06
